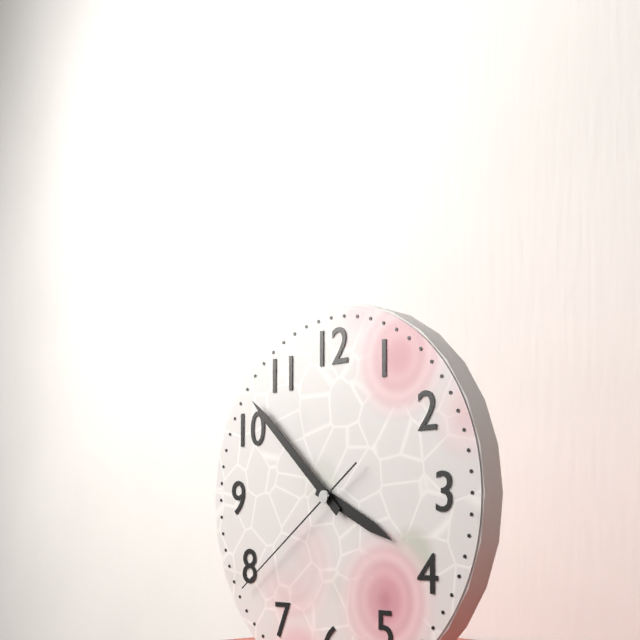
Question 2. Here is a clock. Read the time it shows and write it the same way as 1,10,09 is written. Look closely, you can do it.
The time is 3,52,39
